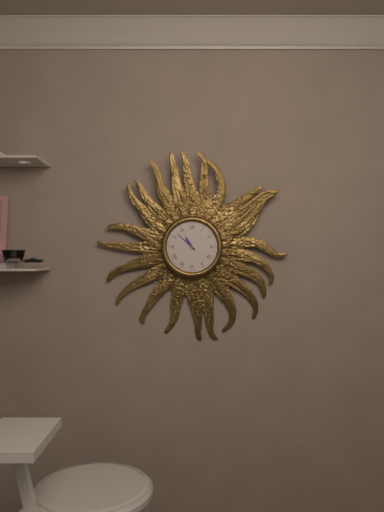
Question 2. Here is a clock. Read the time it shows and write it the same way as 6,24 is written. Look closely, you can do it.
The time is 10,52
